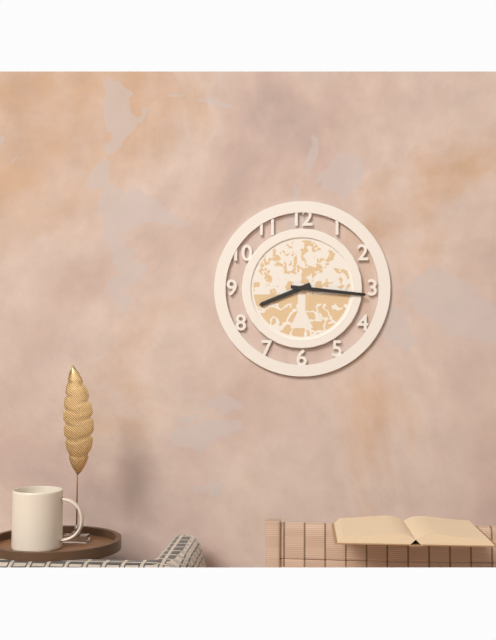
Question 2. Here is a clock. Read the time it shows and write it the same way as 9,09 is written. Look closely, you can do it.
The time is 8,16
